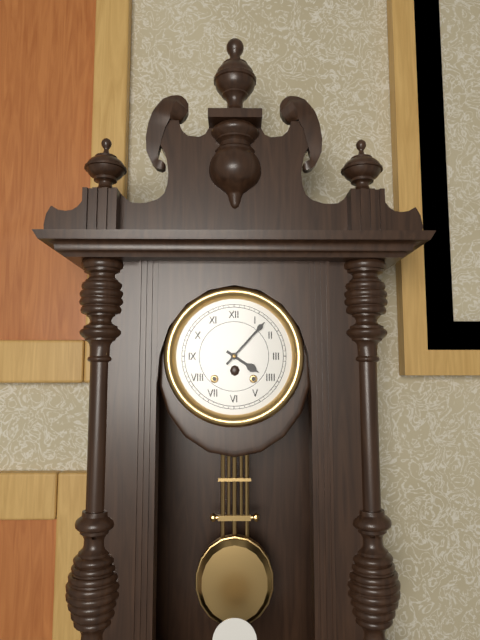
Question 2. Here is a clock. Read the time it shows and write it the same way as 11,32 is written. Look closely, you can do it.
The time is 4,07
